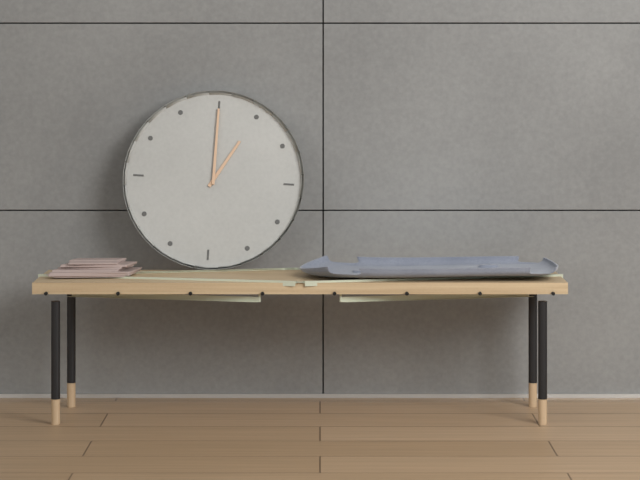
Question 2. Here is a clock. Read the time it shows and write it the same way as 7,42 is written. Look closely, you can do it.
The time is 1,00
